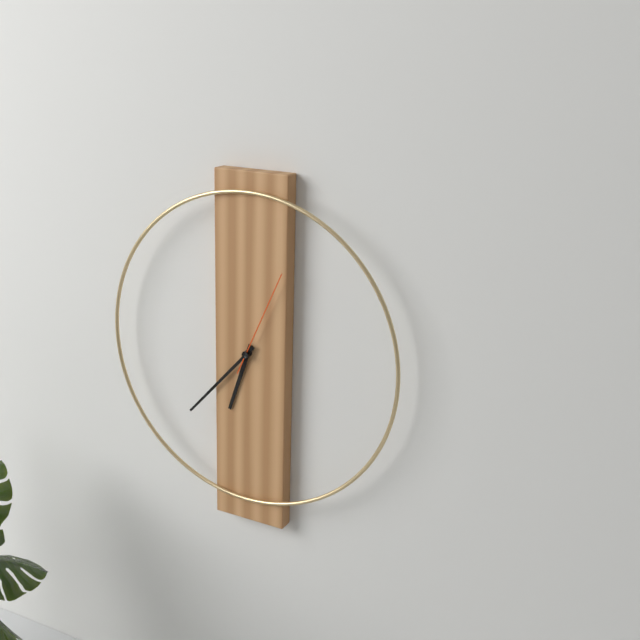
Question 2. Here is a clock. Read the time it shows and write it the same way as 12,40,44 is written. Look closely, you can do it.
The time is 6,37,04
